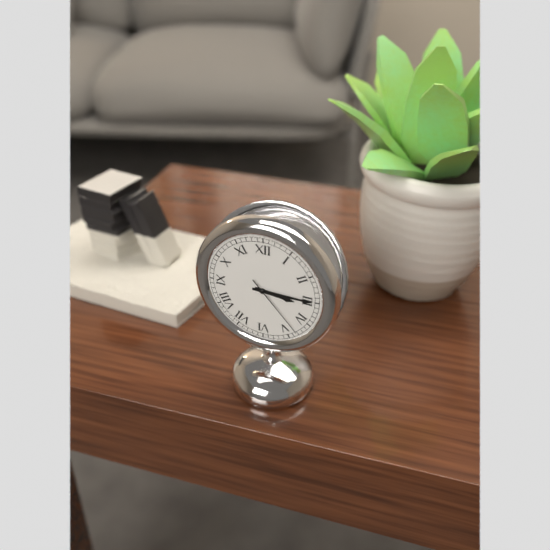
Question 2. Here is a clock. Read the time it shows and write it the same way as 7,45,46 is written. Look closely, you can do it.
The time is 3,15,23
